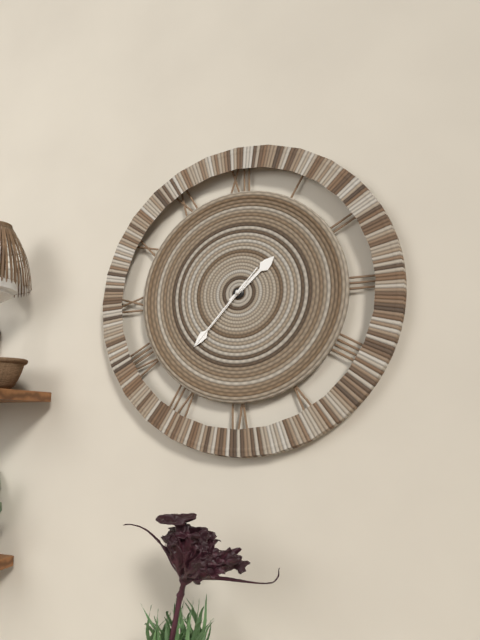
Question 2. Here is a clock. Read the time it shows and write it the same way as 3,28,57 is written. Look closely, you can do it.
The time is 1,37,37
